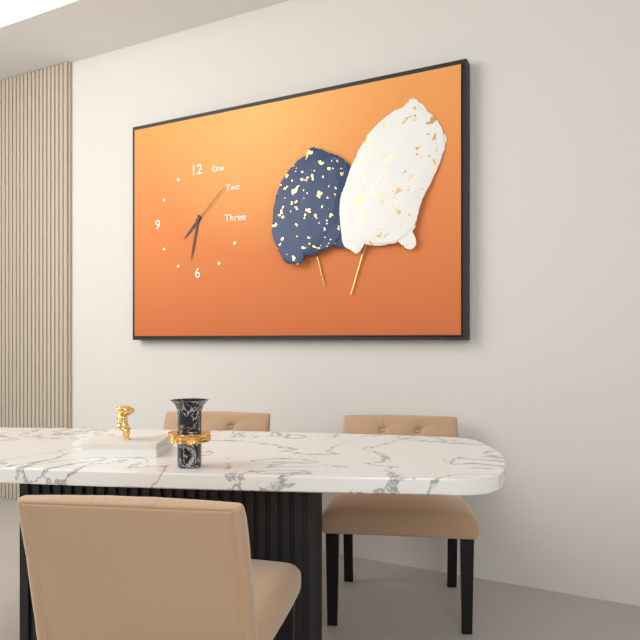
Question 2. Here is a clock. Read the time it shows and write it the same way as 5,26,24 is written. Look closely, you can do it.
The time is 7,32,08
